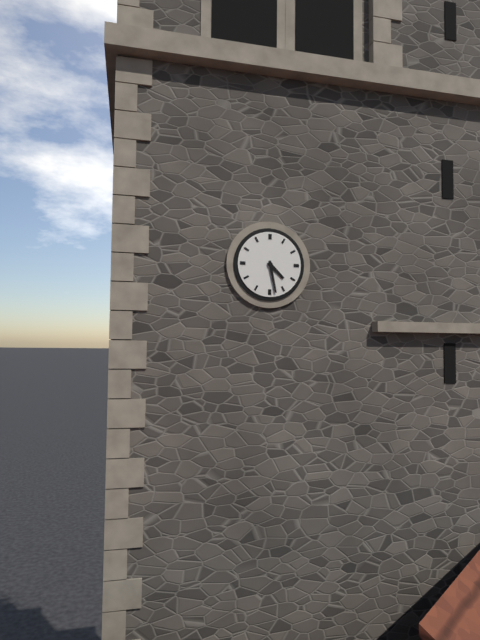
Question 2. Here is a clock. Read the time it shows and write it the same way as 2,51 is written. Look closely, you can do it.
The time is 4,28
